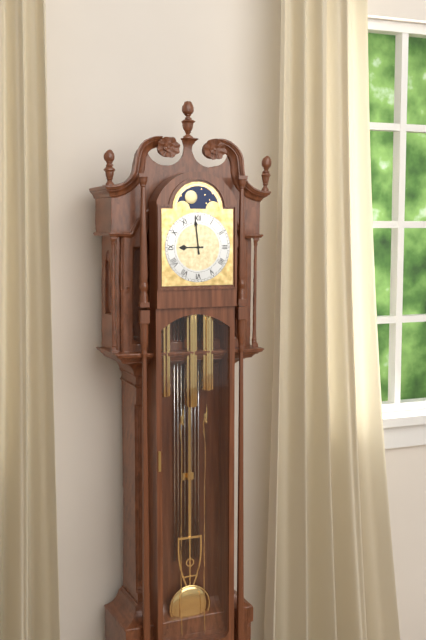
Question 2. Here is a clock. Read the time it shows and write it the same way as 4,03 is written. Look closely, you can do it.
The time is 8,59
